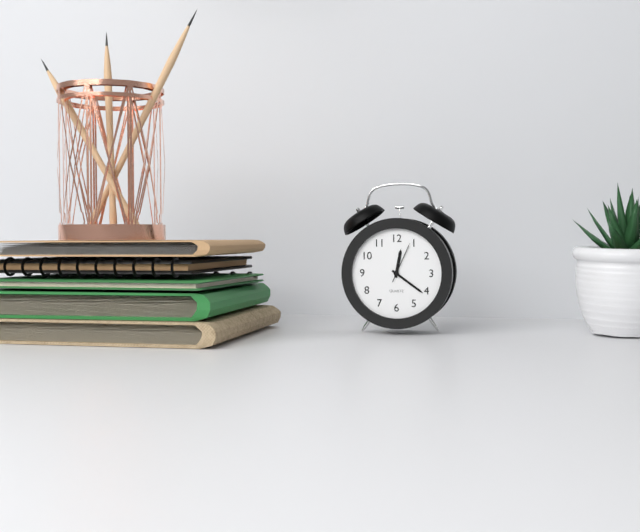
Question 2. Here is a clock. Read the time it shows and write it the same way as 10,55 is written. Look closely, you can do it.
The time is 12,21
